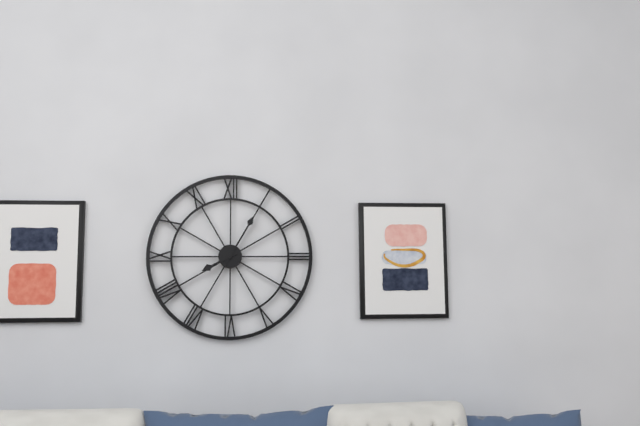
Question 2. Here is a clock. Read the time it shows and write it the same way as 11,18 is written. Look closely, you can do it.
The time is 8,05
